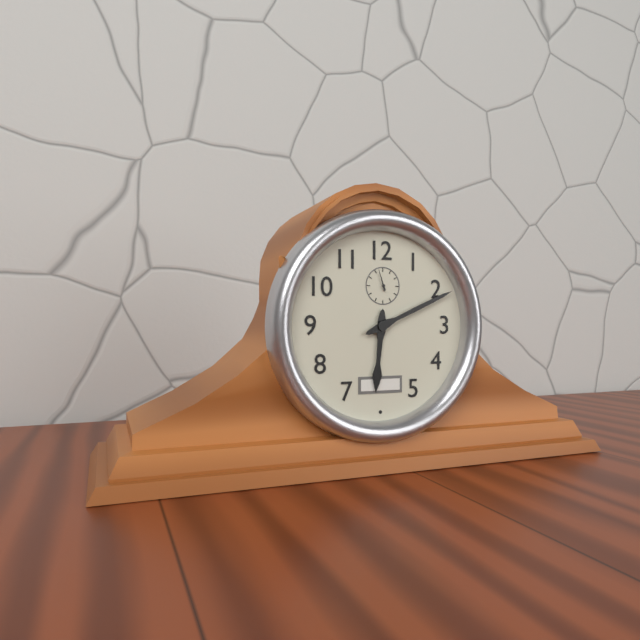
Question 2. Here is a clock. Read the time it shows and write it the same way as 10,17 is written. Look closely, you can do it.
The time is 6,11
